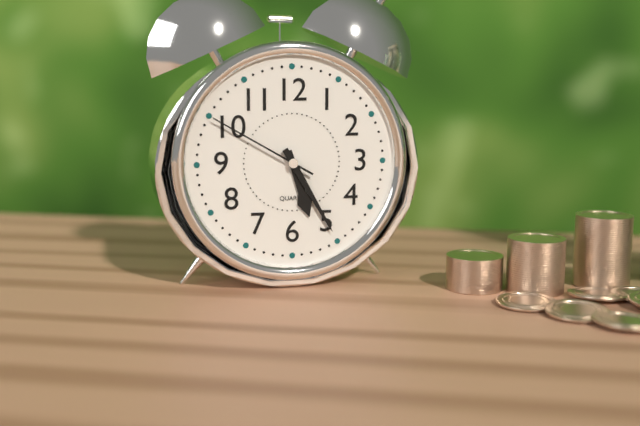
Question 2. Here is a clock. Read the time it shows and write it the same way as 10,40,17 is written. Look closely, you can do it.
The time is 5,25,50
